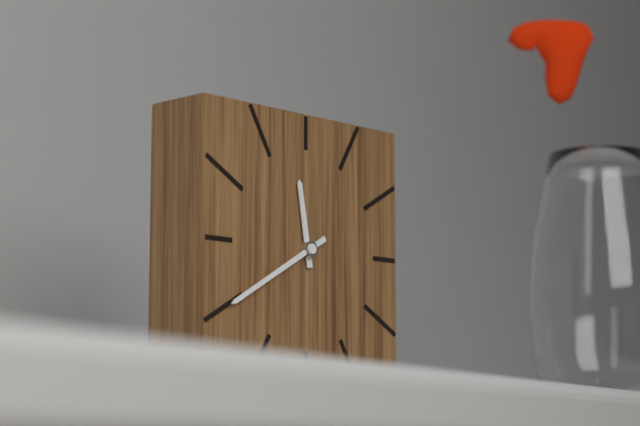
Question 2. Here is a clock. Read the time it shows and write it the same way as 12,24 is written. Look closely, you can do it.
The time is 11,40
